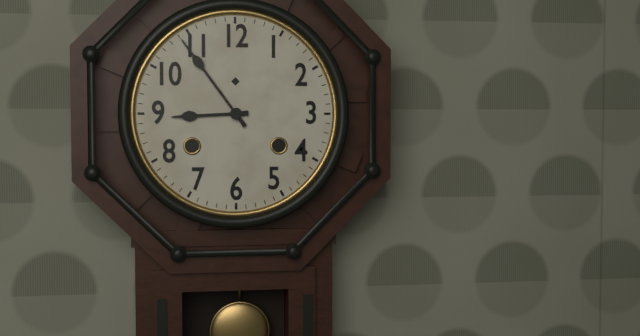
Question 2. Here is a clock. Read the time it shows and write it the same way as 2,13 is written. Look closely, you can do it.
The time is 8,54
